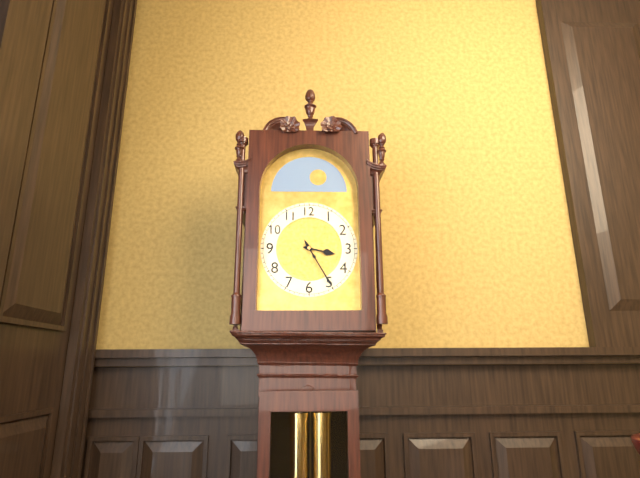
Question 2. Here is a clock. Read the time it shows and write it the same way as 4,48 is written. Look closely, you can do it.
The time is 3,25
